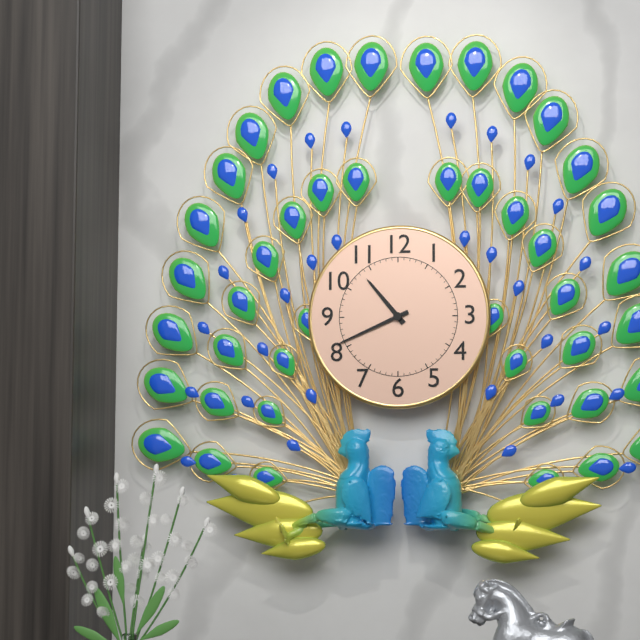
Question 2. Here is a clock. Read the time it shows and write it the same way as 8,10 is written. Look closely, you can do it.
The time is 10,41
